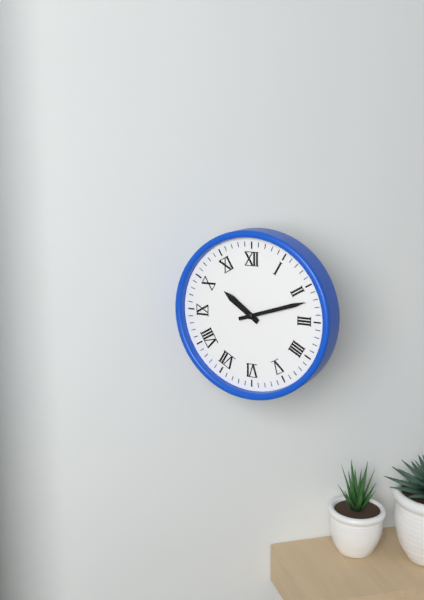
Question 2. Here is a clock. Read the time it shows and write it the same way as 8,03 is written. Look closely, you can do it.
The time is 10,12
